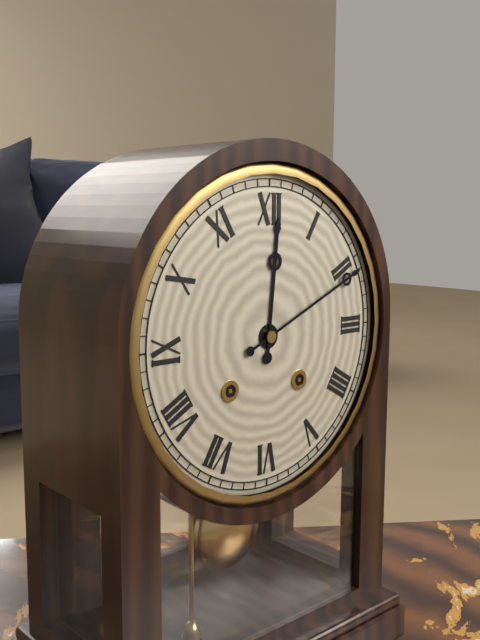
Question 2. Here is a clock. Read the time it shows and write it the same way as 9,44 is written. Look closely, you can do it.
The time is 12,11
